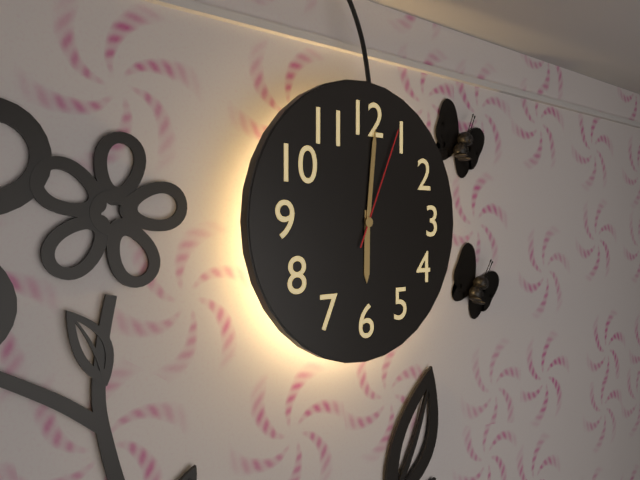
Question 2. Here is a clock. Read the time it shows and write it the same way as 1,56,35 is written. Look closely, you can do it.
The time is 6,01,04
